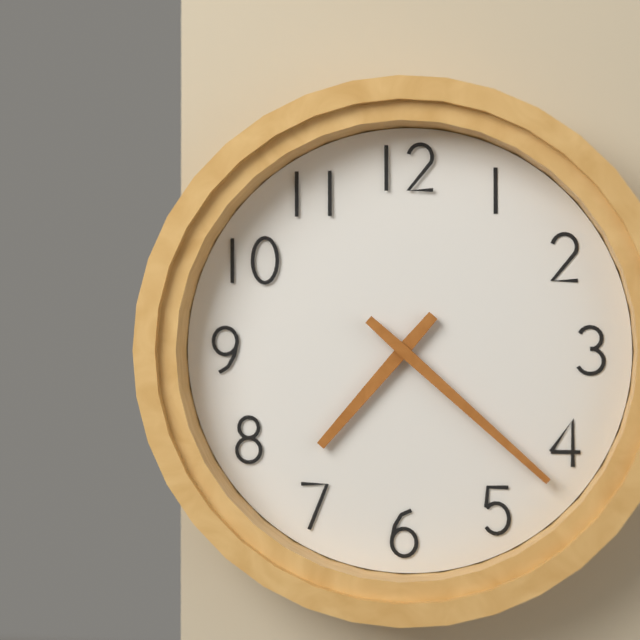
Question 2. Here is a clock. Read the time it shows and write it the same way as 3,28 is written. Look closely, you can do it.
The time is 7,22
